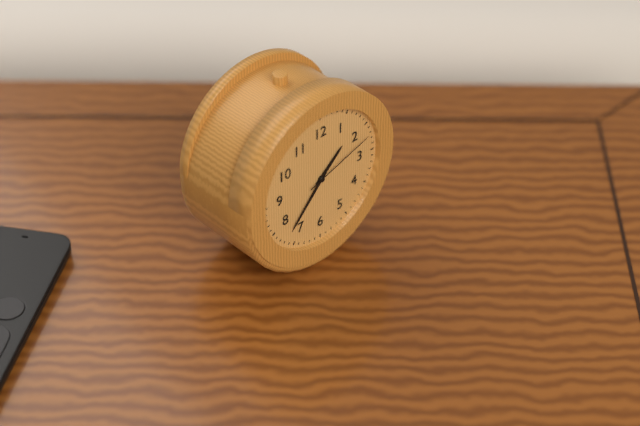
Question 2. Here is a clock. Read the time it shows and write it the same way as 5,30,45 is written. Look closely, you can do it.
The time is 1,37,12
